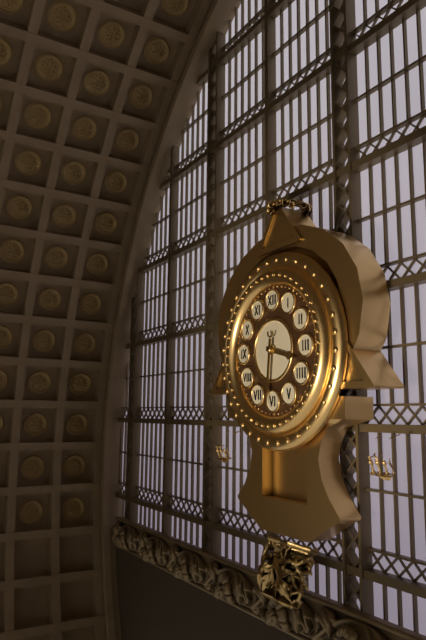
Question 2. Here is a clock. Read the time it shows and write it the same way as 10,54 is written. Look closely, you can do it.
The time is 3,31
